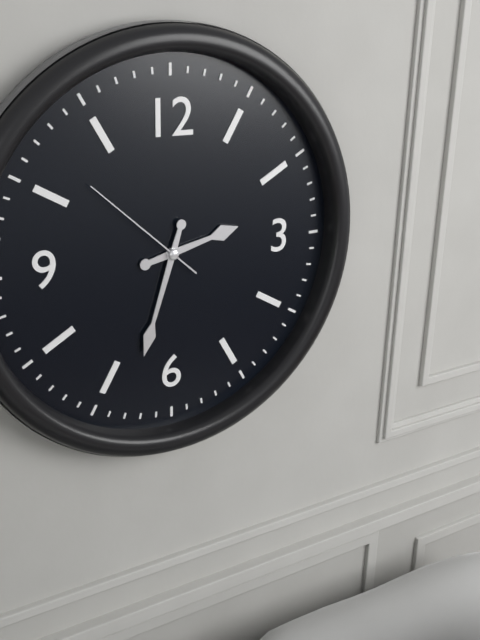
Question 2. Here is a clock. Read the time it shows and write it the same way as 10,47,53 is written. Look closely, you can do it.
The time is 2,33,52
